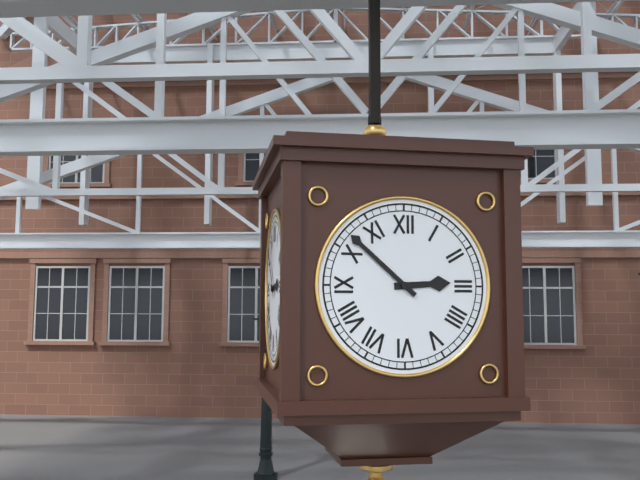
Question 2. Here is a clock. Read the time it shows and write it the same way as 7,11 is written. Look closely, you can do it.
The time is 2,52
